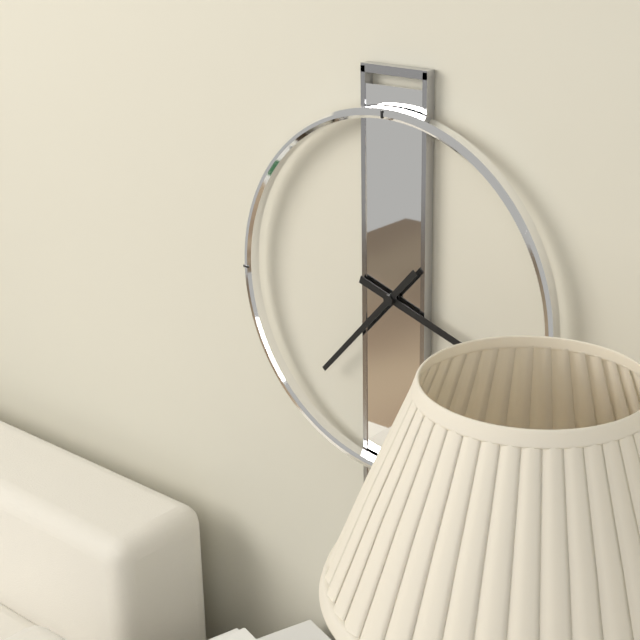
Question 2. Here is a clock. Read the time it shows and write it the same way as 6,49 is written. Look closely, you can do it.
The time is 3,37
